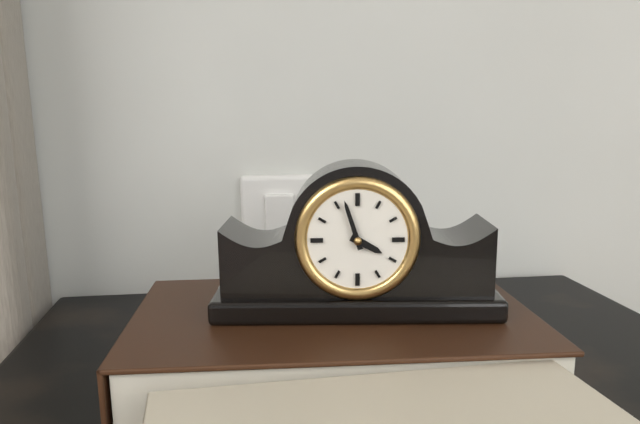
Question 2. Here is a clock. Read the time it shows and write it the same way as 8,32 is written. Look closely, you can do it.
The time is 3,57
